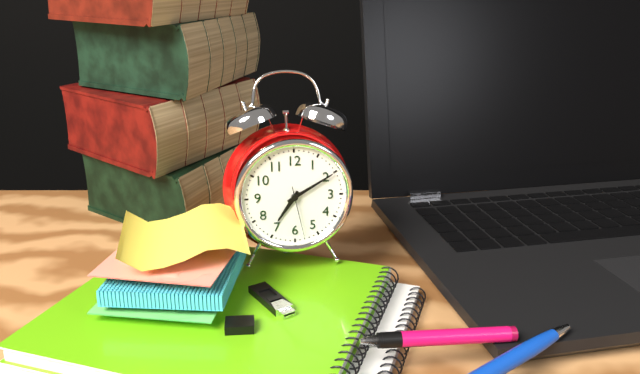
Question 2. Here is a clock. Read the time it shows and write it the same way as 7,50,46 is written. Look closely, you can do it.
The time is 7,10,28
